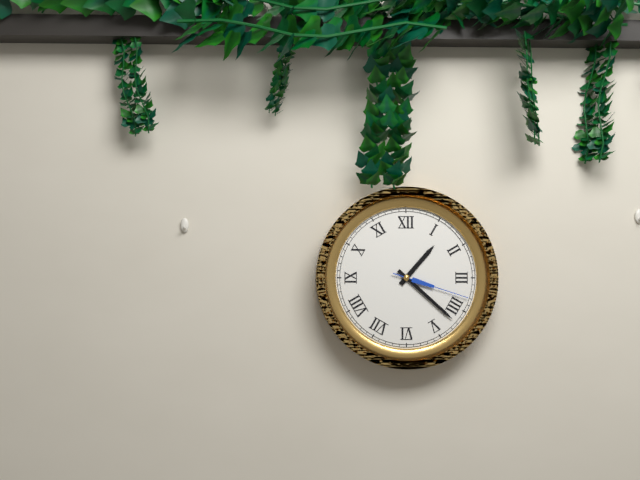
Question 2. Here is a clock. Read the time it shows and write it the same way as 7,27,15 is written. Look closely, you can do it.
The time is 1,22,18
